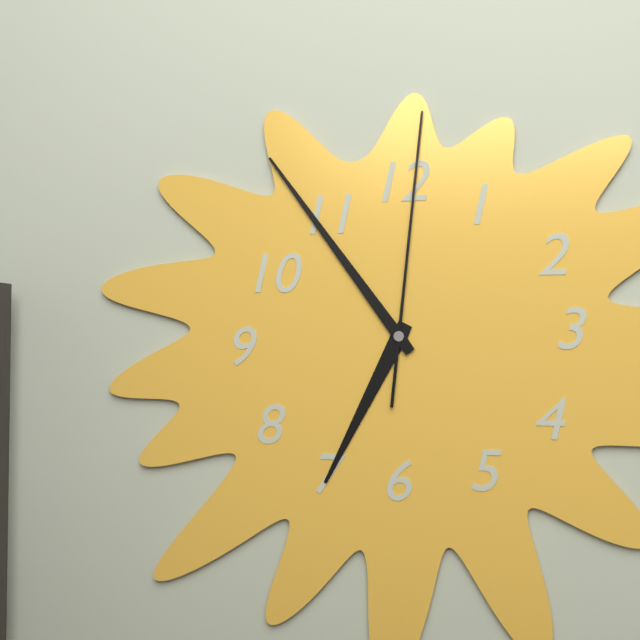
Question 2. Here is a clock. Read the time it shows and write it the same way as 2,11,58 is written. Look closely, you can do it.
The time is 6,54,01
